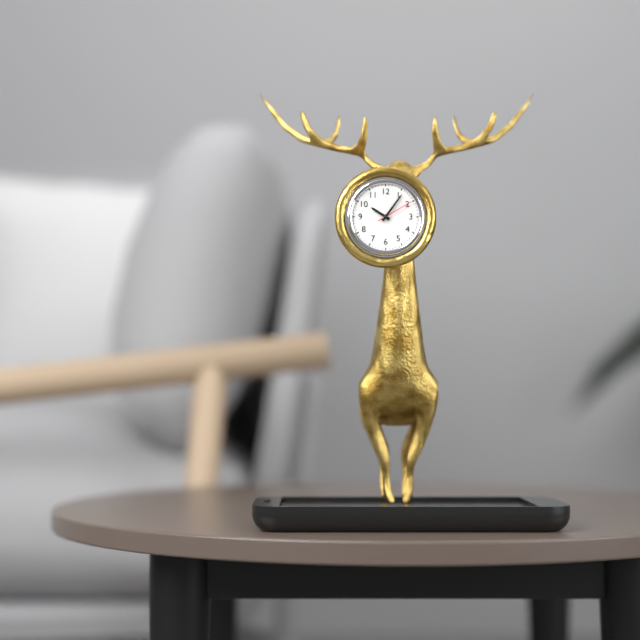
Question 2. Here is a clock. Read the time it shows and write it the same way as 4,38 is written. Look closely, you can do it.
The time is 10,06
